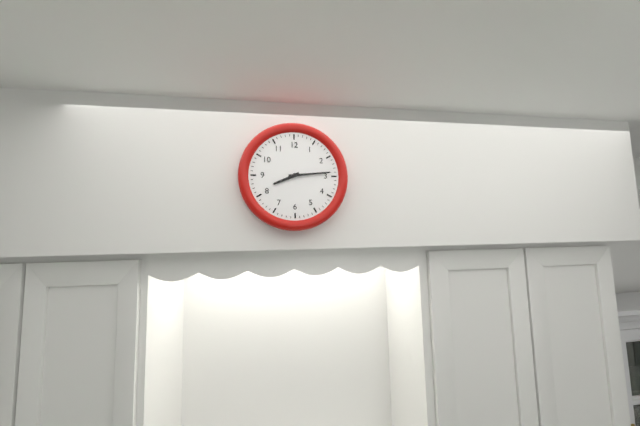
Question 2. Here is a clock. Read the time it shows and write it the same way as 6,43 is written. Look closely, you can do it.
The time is 8,14
